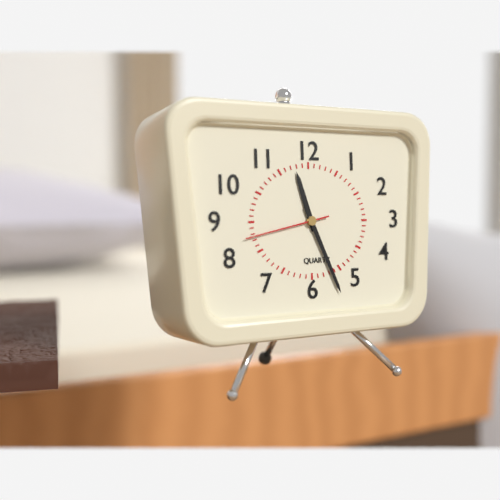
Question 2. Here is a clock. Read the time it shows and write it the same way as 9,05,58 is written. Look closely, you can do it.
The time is 11,26,43
